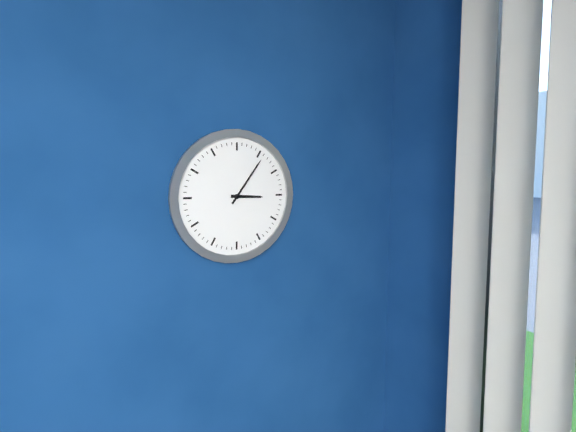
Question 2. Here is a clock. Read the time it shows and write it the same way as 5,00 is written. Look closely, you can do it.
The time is 3,06
